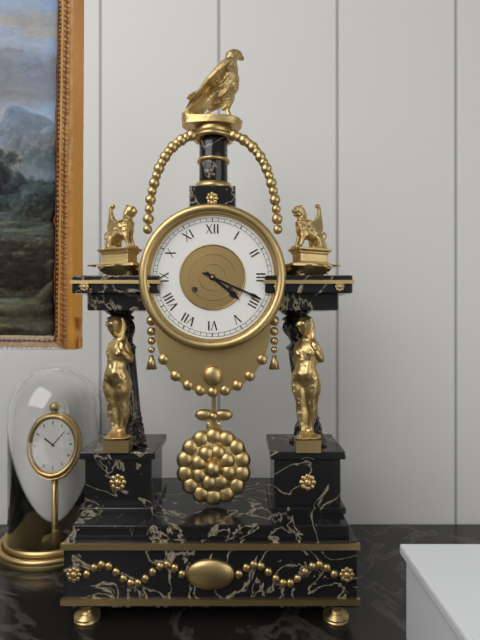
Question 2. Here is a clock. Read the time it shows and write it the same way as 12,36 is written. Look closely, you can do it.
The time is 4,19
